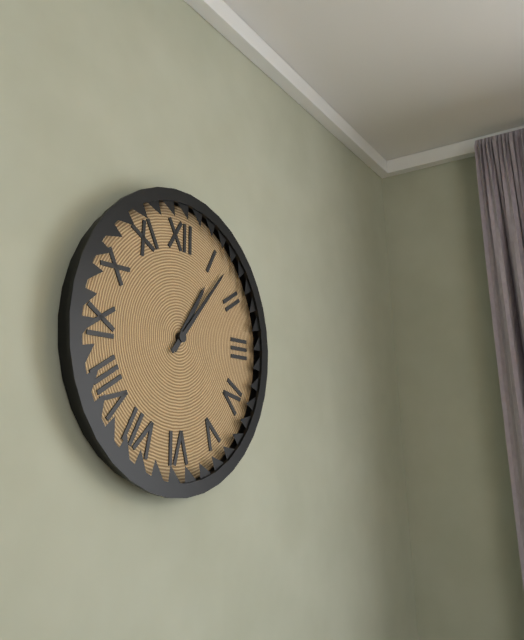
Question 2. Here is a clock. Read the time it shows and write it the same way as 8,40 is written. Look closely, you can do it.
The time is 1,07
